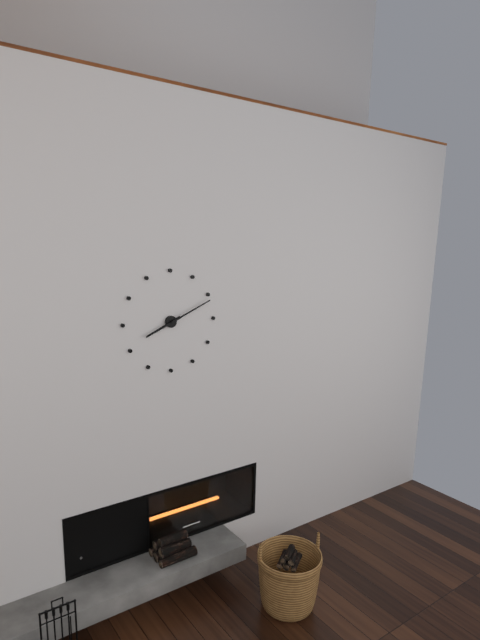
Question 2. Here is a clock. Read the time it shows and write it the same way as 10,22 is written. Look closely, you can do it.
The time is 8,11
